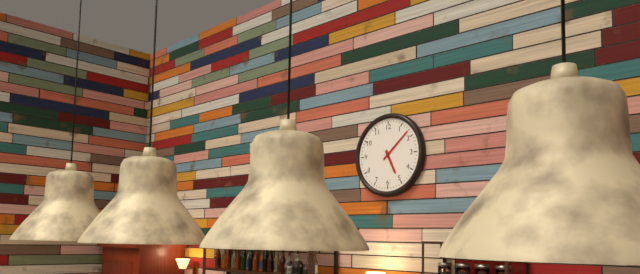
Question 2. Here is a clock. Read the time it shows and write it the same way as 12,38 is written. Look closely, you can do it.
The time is 5,08
